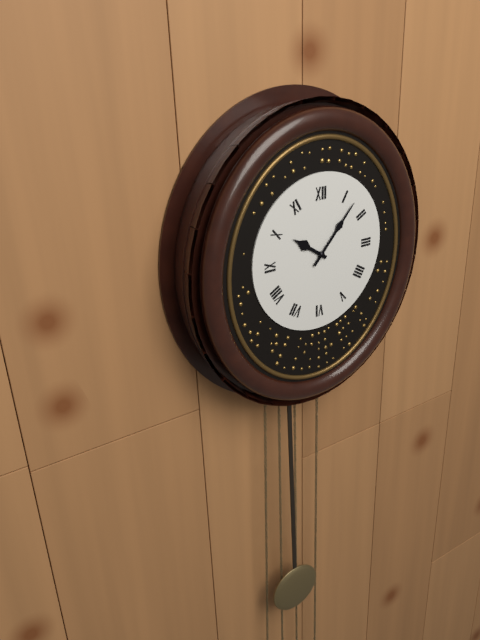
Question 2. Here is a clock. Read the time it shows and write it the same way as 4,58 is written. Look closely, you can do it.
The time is 10,07
